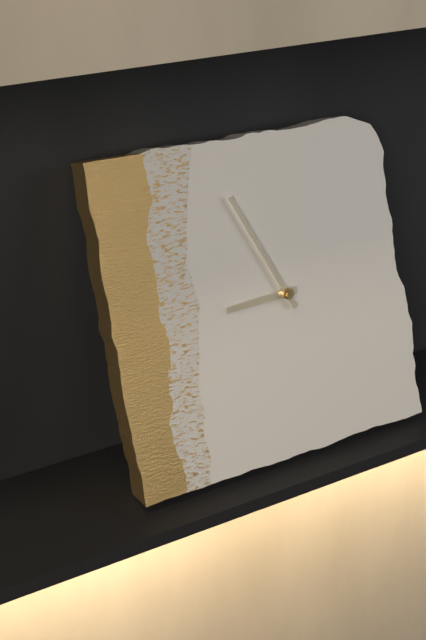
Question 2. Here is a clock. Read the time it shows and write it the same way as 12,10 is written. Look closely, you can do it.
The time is 8,56
